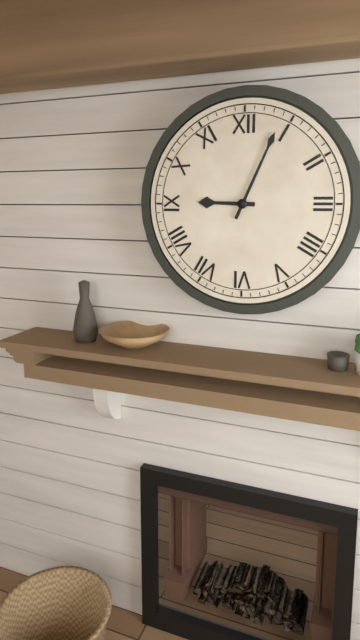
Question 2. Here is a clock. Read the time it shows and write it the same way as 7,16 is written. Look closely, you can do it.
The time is 9,04
